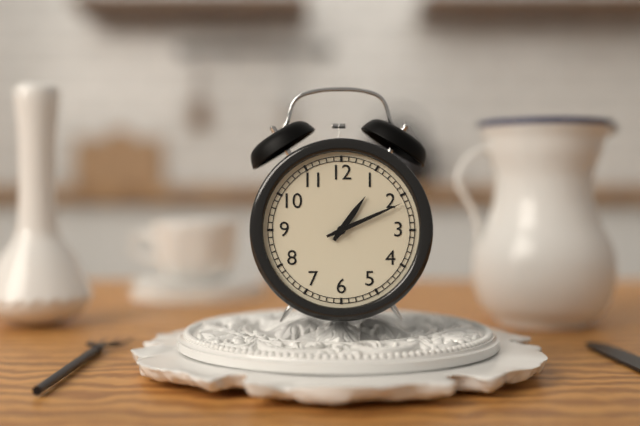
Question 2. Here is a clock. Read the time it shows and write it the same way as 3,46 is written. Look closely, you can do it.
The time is 1,11
